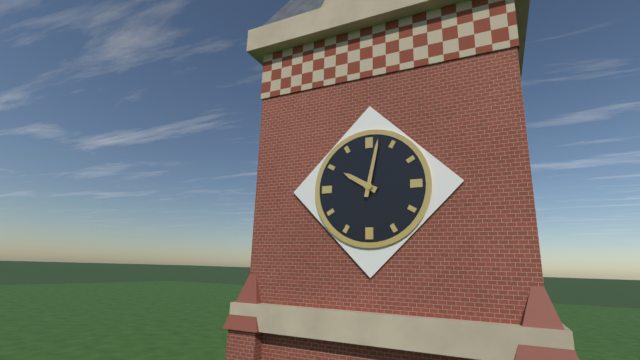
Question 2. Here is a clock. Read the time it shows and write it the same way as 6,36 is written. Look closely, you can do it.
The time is 10,02
